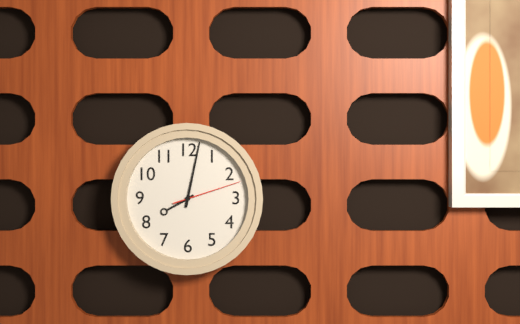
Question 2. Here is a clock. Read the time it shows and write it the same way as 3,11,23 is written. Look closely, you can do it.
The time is 8,02,12
